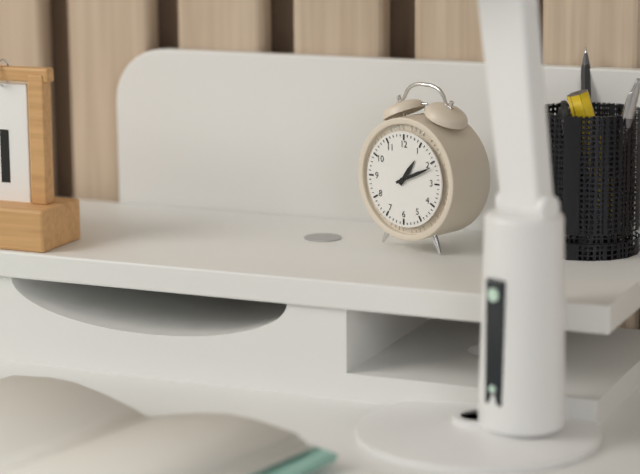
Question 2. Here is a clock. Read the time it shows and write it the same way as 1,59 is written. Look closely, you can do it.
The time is 1,11
